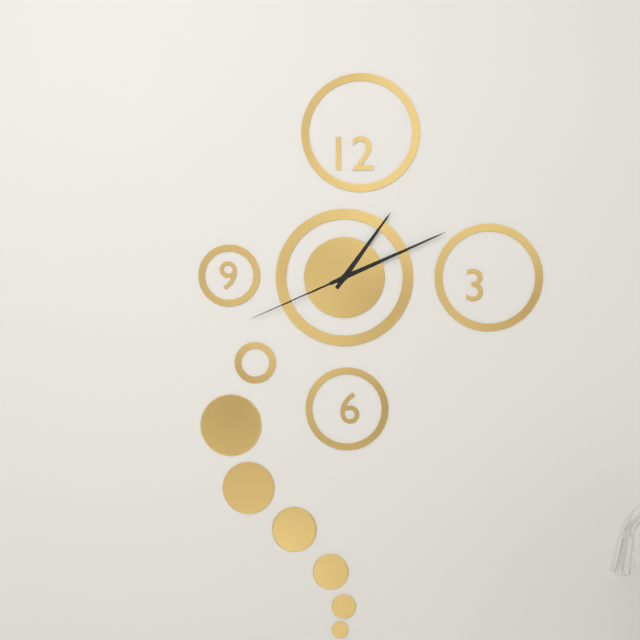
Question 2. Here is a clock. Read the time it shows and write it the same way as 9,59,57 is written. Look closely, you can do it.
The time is 1,11,41
